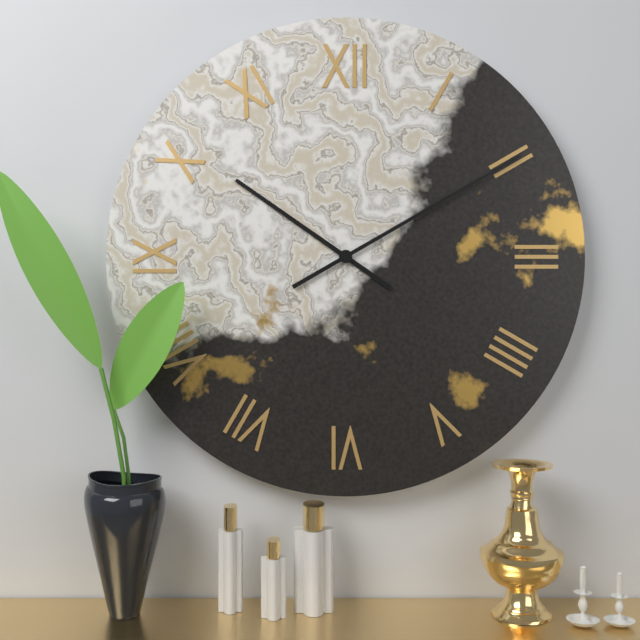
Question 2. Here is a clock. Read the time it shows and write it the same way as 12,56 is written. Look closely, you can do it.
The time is 10,10
